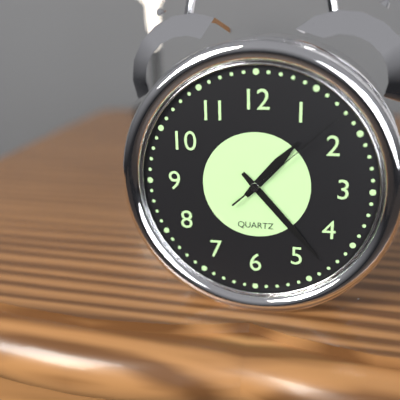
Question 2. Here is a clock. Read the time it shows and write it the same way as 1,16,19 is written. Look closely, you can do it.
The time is 1,23,08
